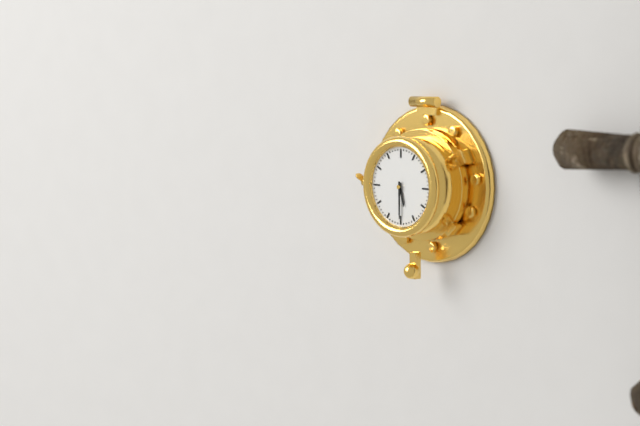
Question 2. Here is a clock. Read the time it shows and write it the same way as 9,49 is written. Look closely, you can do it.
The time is 5,30
